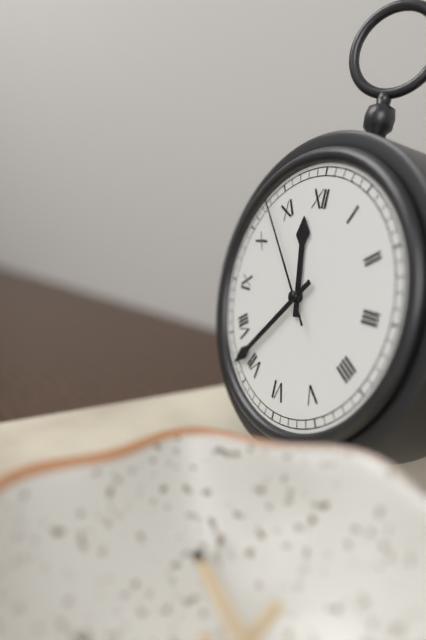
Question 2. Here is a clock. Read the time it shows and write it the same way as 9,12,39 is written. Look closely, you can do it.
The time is 11,37,53
